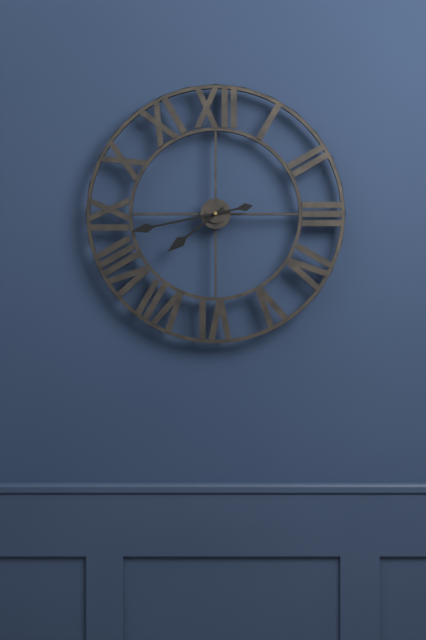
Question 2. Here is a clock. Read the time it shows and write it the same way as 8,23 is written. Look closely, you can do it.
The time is 7,43
